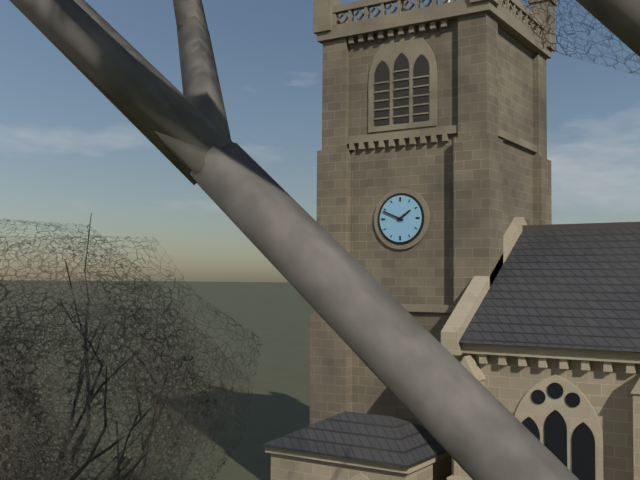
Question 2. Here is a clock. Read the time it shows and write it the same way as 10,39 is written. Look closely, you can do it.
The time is 1,49
